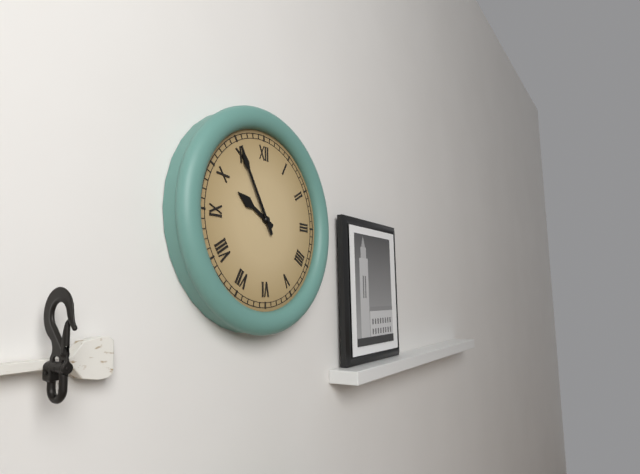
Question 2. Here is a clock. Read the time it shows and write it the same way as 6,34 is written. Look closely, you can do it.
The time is 9,55
